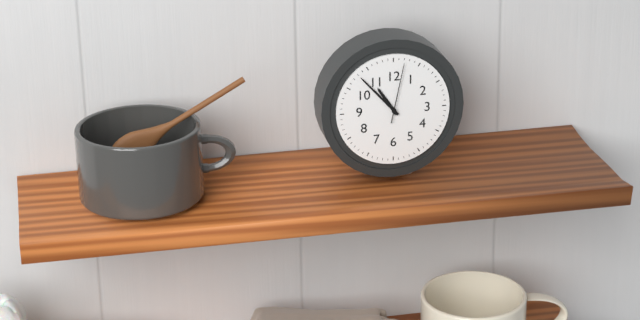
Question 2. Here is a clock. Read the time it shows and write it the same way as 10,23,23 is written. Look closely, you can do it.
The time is 10,53,02
